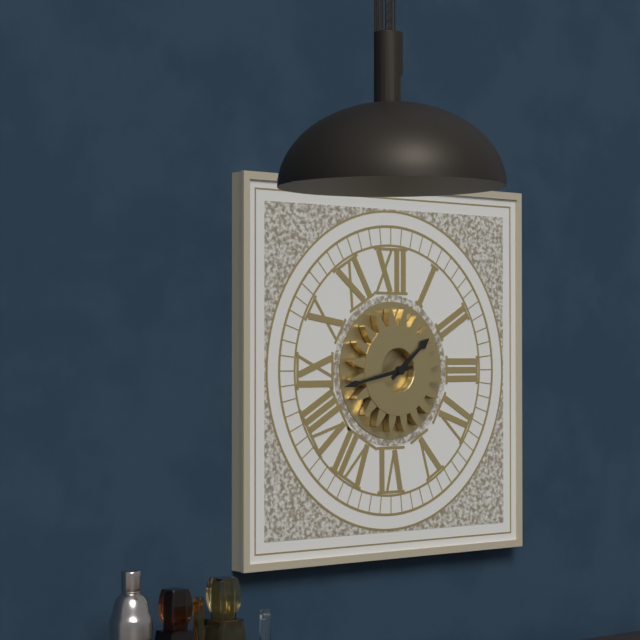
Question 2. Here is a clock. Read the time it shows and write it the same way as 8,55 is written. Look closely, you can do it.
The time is 1,43
